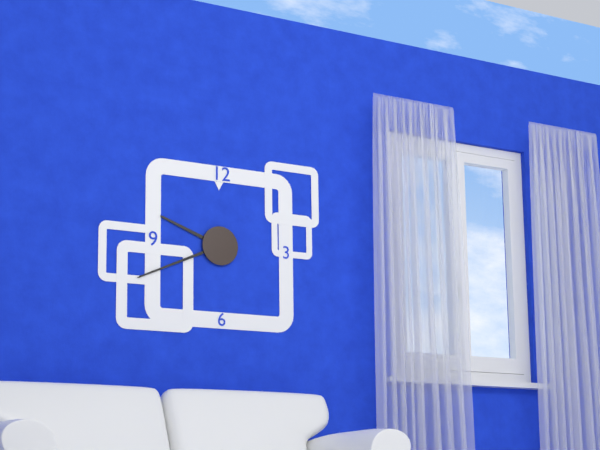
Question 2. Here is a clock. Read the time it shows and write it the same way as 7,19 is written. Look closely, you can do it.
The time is 9,41
